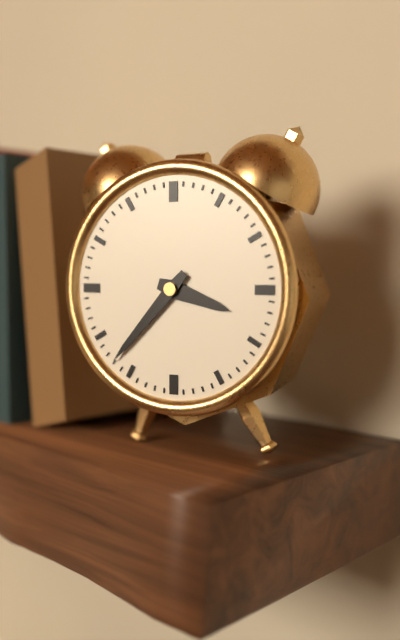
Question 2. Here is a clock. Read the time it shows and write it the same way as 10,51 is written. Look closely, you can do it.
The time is 3,37
